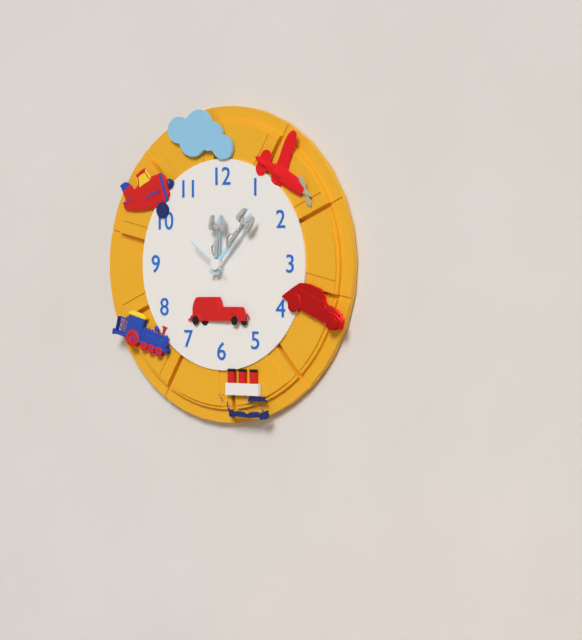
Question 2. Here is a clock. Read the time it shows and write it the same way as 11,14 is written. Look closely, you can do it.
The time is 12,07
